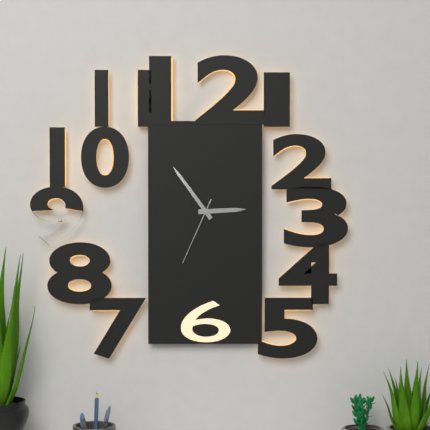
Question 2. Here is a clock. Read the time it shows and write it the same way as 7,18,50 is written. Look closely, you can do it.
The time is 2,54,34
